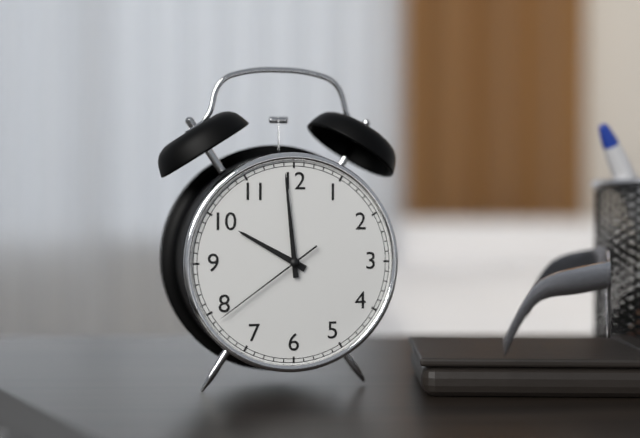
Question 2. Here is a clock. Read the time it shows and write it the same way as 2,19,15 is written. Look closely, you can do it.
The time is 9,59,39
